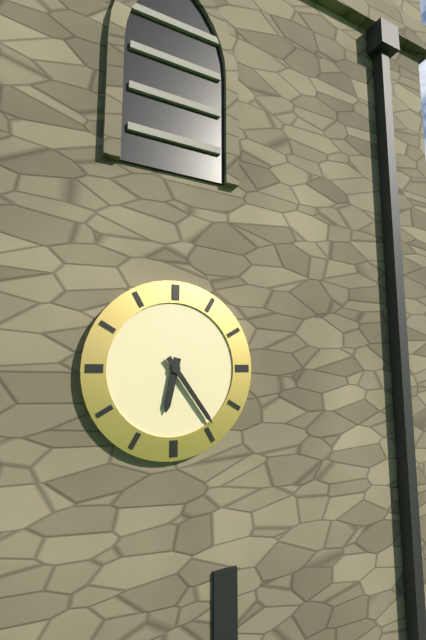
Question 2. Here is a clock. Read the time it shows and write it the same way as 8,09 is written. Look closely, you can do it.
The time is 6,24
